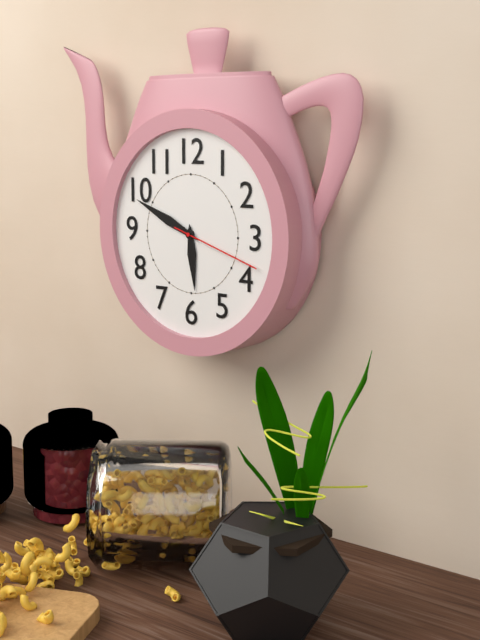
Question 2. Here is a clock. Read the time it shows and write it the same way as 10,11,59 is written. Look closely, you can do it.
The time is 5,49,18
